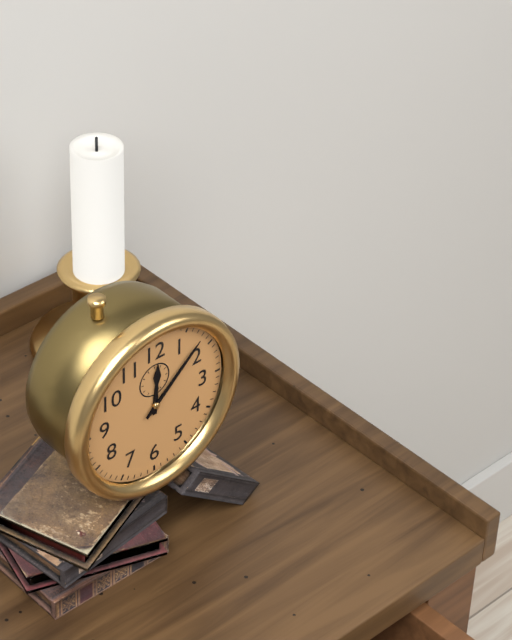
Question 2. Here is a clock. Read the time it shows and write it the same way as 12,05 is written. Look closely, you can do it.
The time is 12,08
